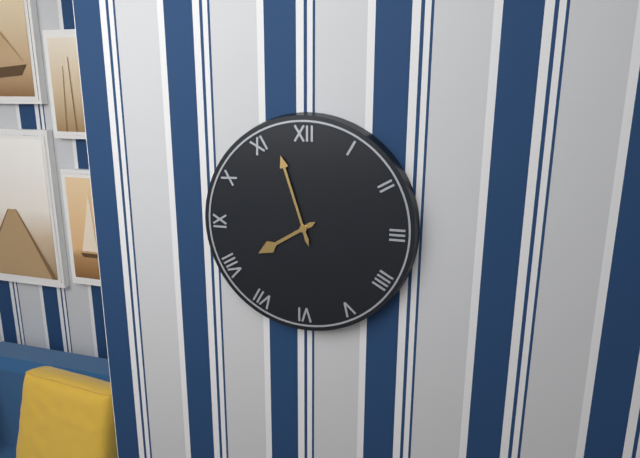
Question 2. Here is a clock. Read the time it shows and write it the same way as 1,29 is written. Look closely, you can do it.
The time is 7,57
